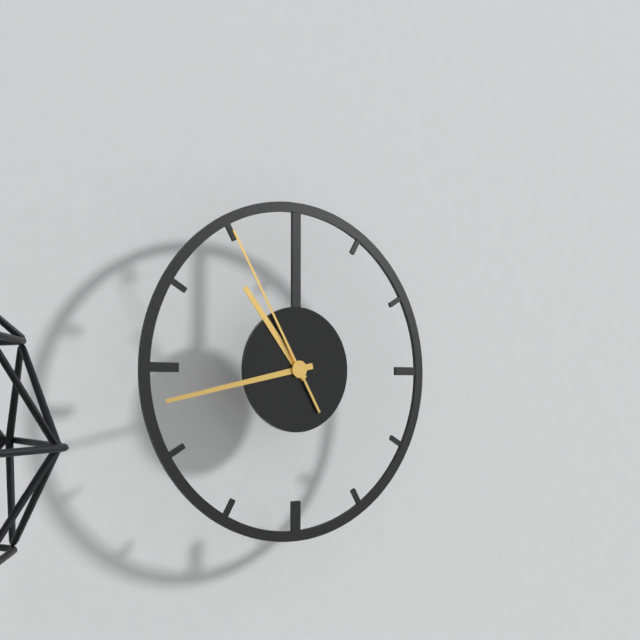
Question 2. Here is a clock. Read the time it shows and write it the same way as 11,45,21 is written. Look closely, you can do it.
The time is 10,43,55
